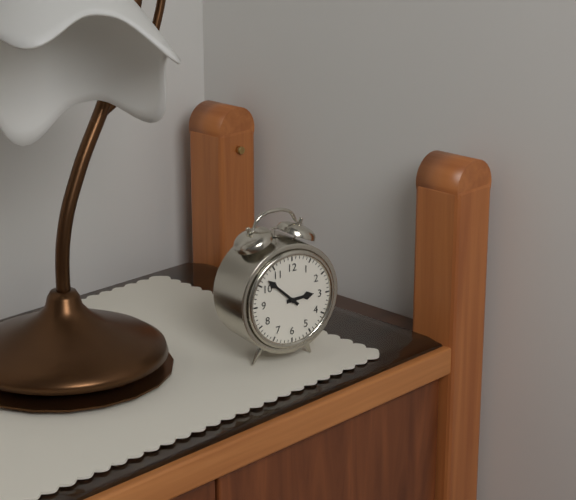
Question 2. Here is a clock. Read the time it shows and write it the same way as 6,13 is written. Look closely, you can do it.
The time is 2,52
